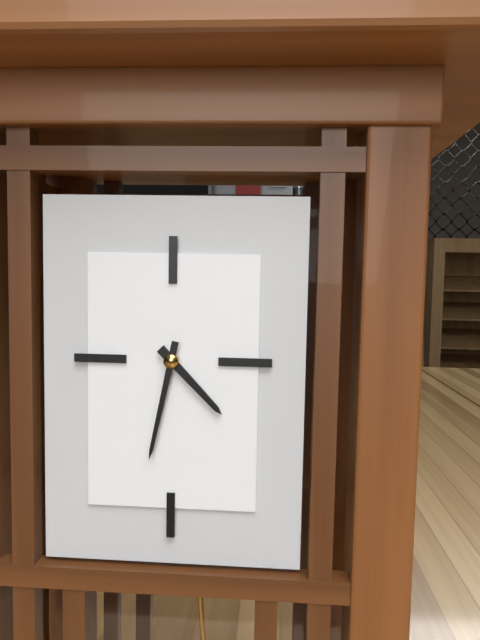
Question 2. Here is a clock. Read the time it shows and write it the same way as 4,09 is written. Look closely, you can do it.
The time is 4,32
